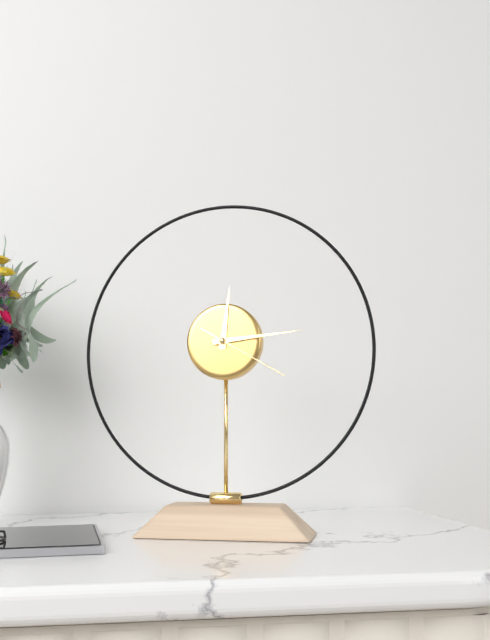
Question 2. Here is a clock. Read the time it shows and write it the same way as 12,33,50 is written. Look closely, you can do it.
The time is 12,14,20
